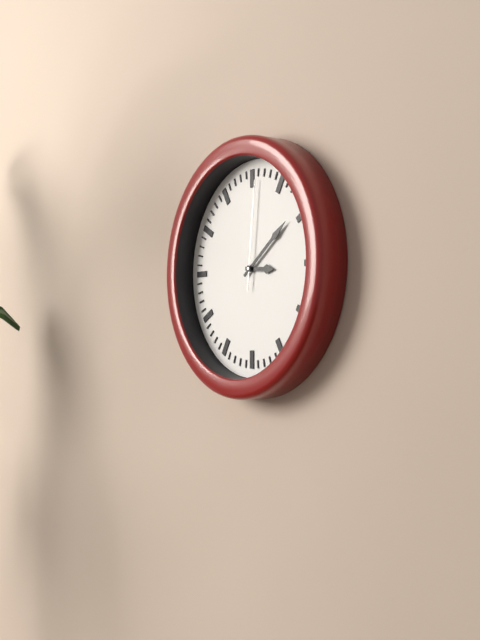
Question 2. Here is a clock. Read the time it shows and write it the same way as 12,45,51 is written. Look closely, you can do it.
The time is 3,09,01
